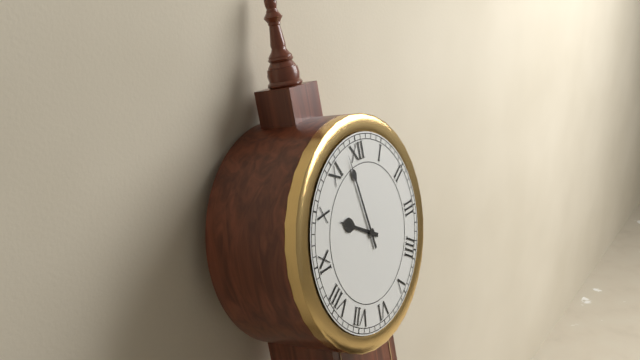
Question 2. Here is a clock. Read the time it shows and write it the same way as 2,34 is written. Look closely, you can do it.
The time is 9,58
